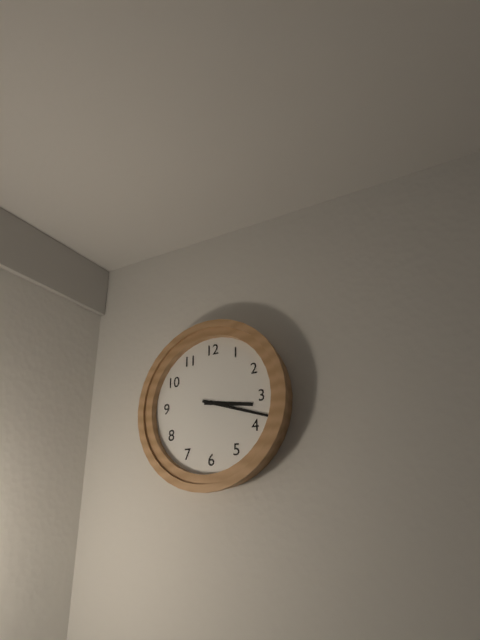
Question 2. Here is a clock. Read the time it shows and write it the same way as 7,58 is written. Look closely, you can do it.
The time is 3,18
